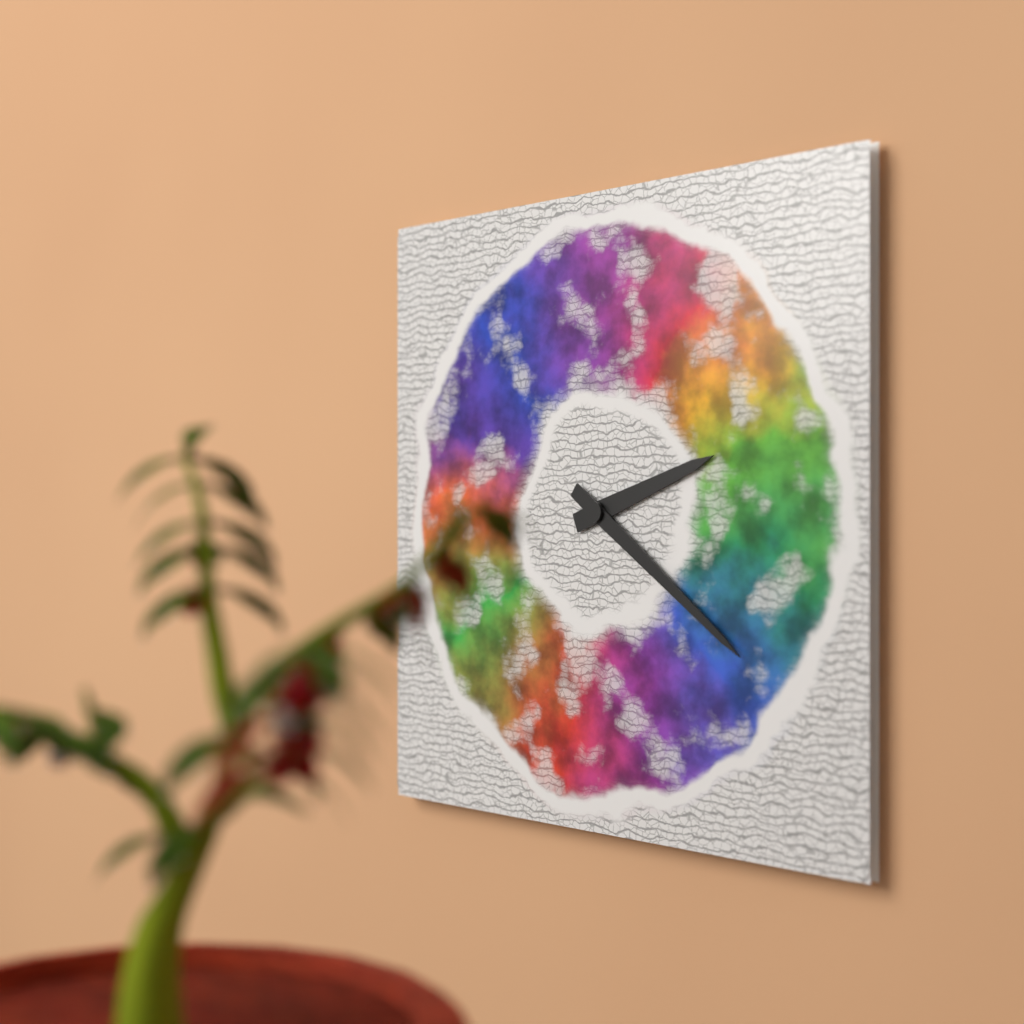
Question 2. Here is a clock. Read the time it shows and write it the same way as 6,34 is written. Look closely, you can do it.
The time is 2,21
